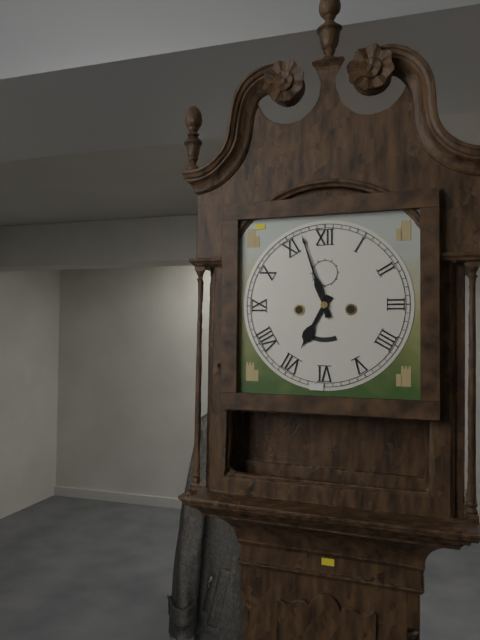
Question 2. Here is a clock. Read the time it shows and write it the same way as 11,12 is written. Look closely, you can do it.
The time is 6,57
